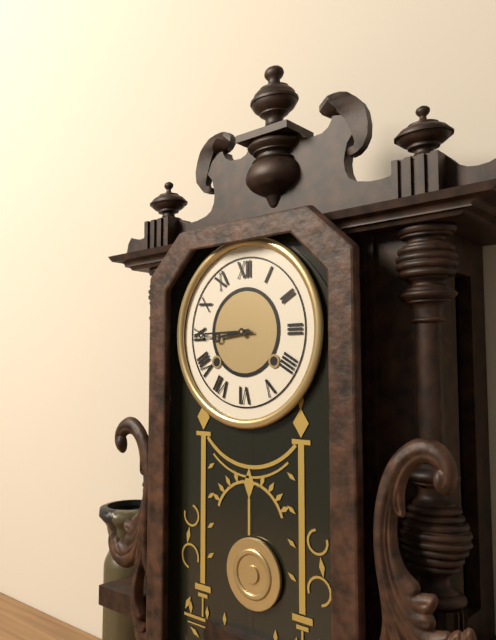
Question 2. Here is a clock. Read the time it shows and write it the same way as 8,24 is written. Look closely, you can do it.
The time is 8,45
